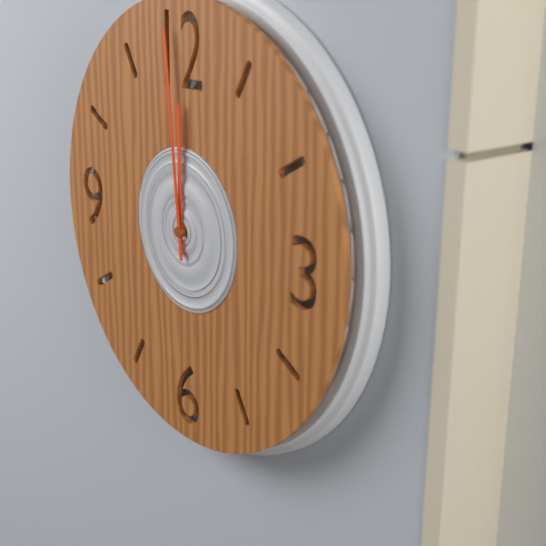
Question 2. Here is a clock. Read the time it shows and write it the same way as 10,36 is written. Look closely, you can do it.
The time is 11,59
